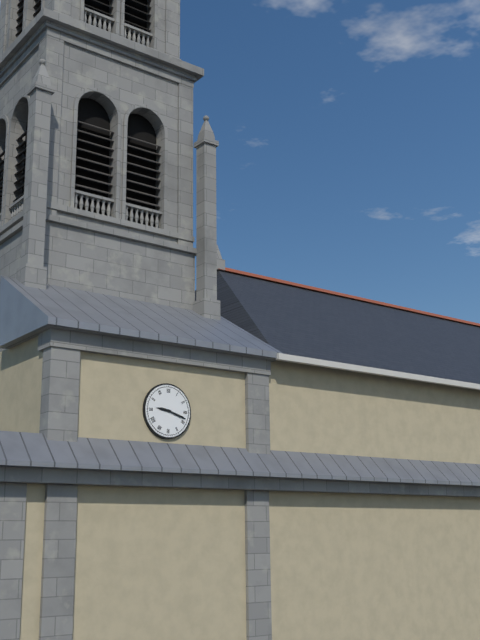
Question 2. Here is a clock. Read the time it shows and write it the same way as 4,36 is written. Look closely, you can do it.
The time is 9,18
